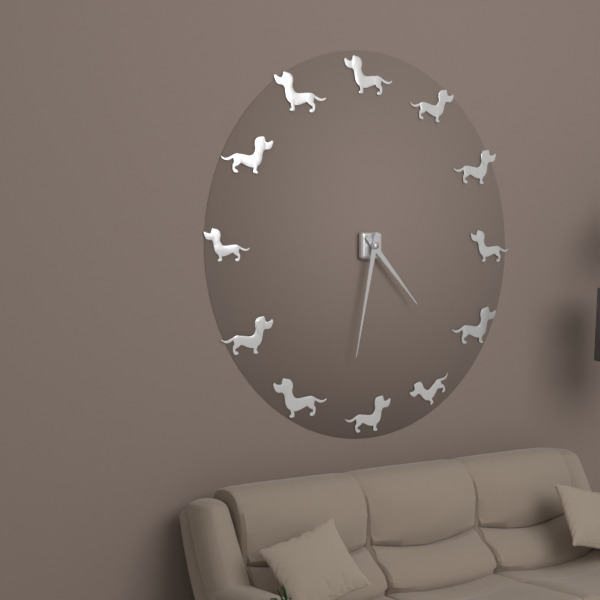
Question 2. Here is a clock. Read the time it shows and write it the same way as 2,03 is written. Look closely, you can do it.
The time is 4,32
